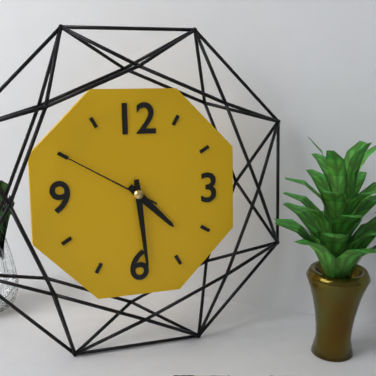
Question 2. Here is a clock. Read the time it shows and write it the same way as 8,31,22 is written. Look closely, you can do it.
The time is 4,29,50
